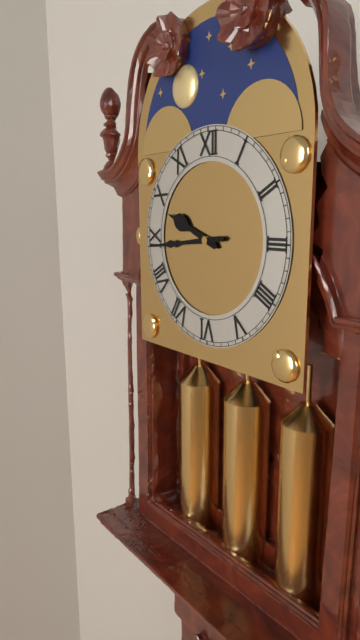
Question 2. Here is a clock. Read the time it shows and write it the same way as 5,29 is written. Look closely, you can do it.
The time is 9,44
